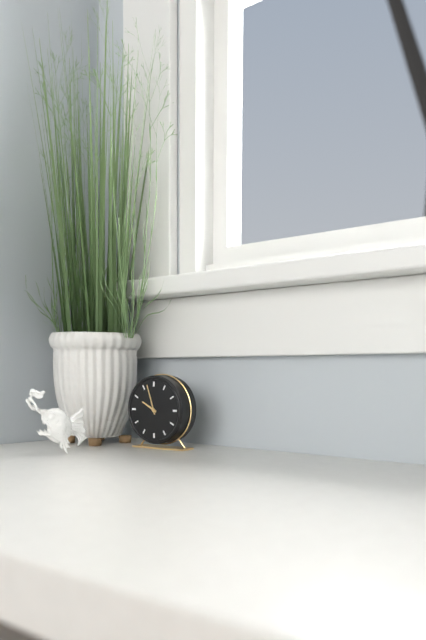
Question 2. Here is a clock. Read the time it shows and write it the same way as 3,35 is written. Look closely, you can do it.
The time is 9,57
